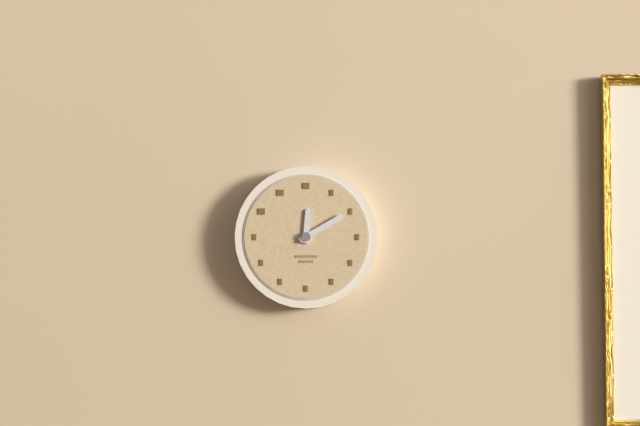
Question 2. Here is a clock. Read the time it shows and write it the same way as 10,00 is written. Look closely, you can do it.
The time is 12,10
